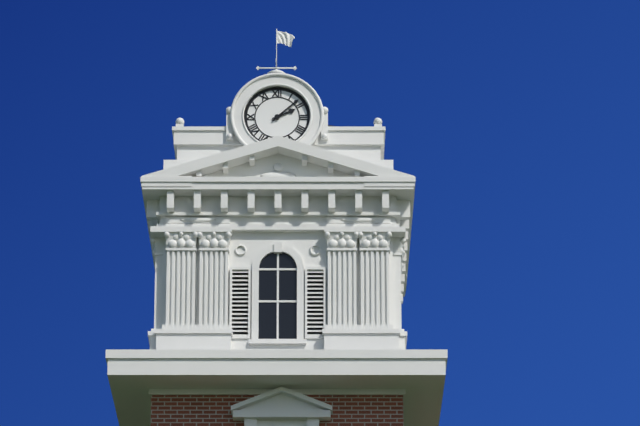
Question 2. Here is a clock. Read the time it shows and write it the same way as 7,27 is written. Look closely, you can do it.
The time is 2,08
